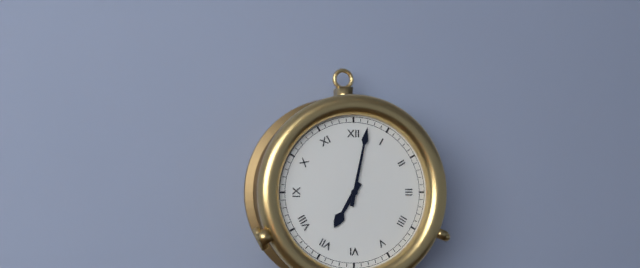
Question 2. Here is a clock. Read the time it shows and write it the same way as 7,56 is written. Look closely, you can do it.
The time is 7,02
